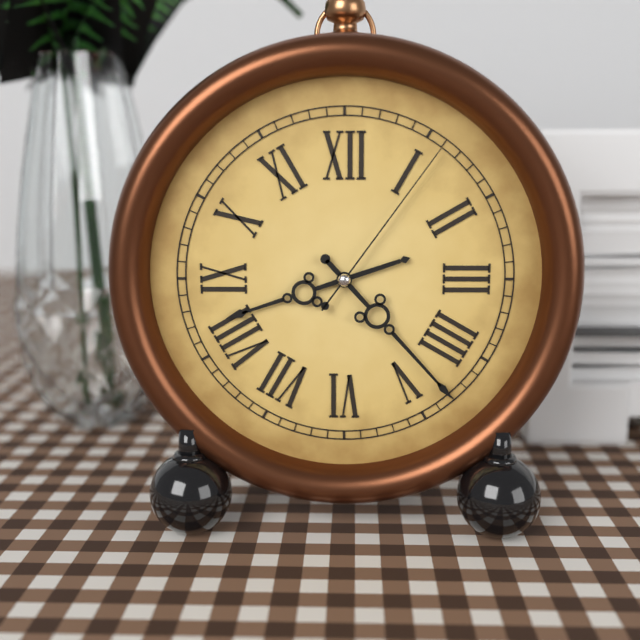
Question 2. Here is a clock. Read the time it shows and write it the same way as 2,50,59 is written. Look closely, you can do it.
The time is 8,23,06
